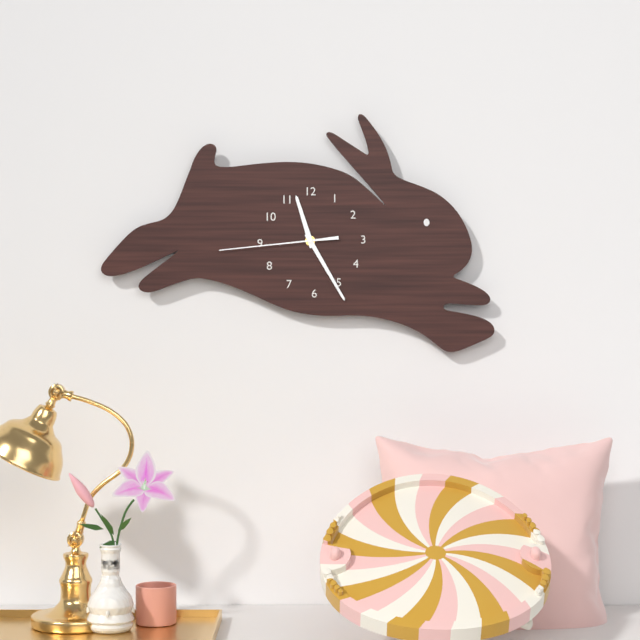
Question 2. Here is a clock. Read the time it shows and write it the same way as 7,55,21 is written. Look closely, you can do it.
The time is 11,25,44
